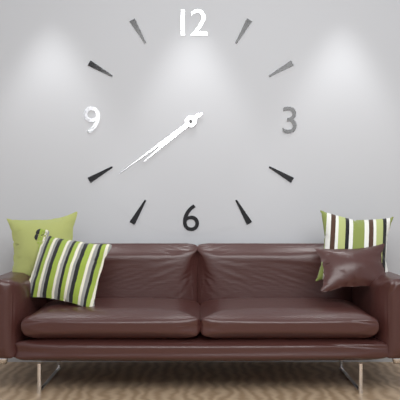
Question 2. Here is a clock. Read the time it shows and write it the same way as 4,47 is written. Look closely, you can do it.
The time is 7,39
